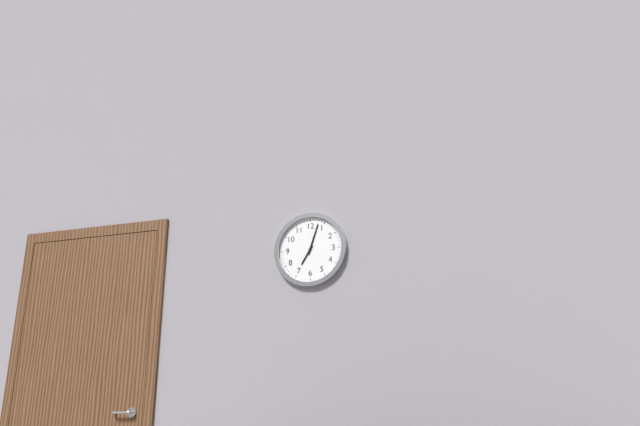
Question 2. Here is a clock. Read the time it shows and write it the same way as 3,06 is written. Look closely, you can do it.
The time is 7,03
